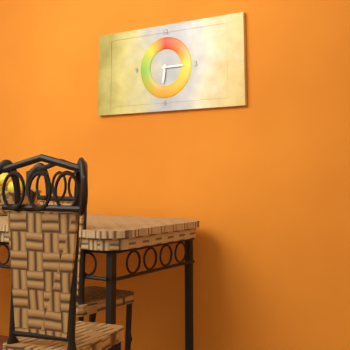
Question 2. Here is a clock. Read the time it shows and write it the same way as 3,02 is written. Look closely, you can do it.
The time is 6,15
